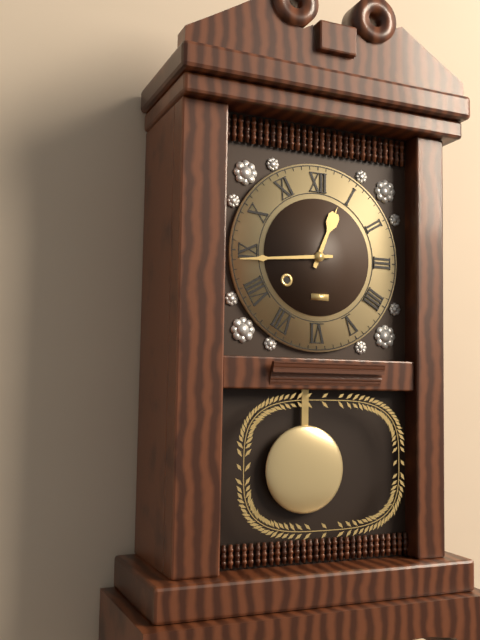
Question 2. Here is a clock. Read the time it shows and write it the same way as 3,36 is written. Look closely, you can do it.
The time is 12,44
